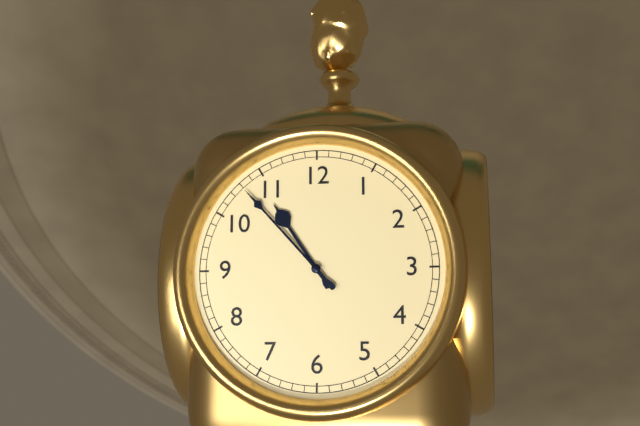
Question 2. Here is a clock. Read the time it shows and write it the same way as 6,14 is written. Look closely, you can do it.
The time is 10,53
